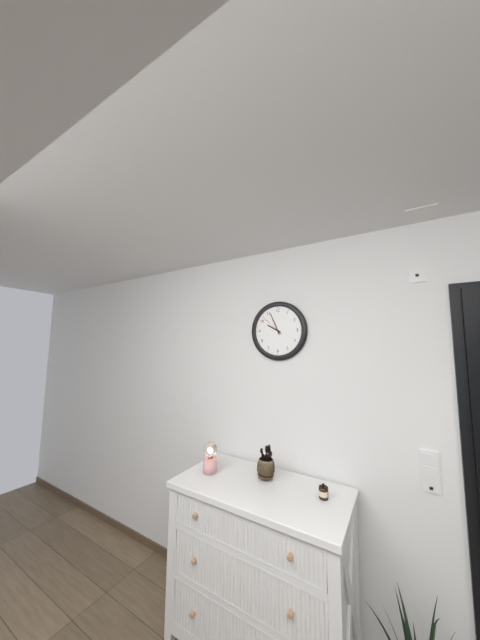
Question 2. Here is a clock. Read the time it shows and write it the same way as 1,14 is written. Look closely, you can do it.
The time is 9,56
